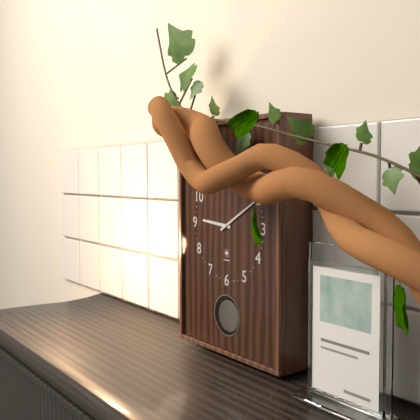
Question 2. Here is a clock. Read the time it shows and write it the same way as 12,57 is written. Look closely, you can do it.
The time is 9,10
